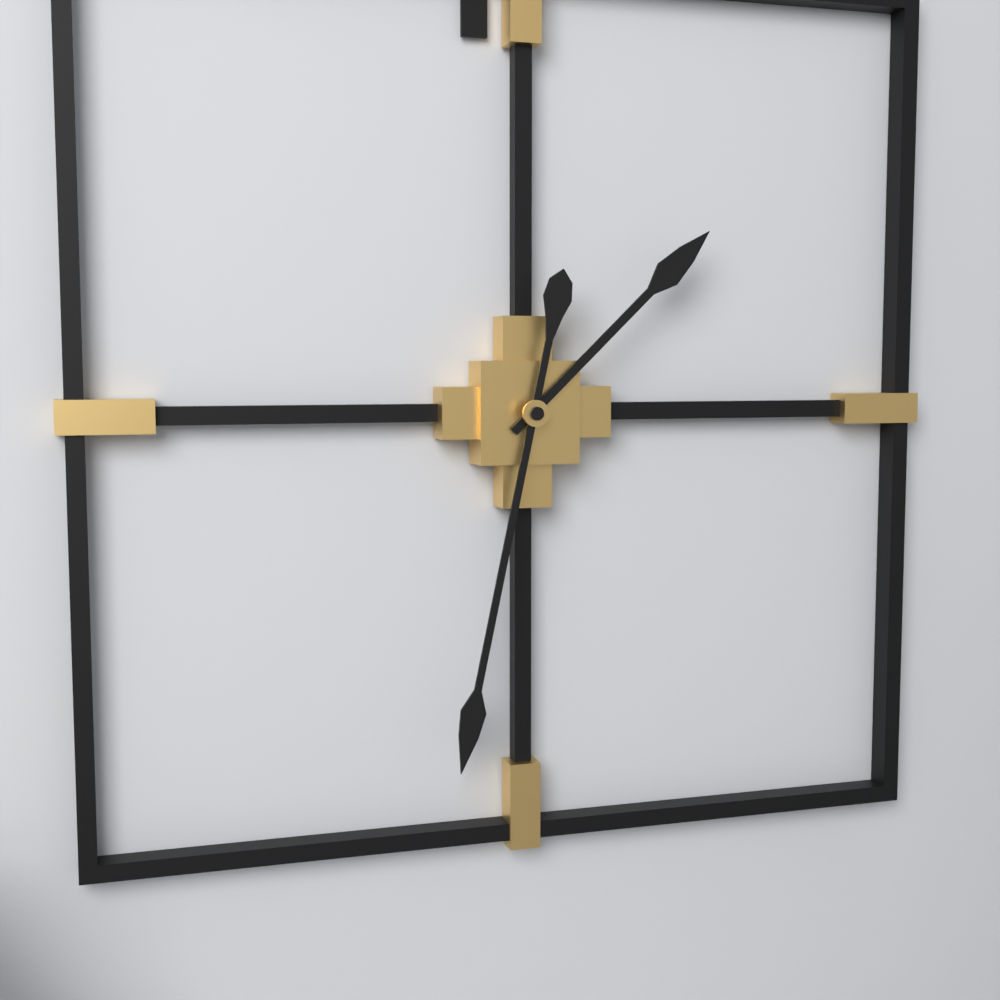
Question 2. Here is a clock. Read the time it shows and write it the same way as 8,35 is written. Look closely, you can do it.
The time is 1,32
